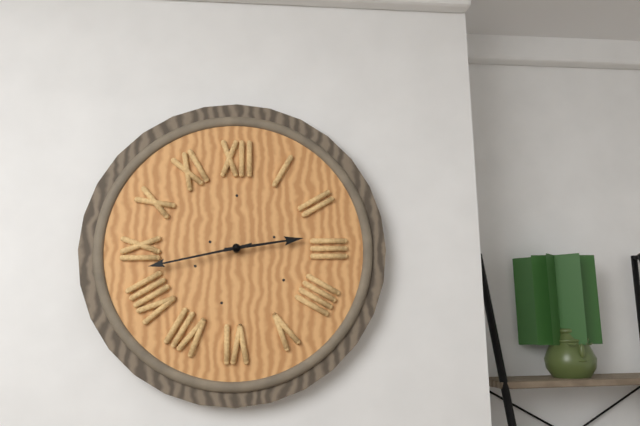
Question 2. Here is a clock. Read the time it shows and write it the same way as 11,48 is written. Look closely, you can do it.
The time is 2,43
